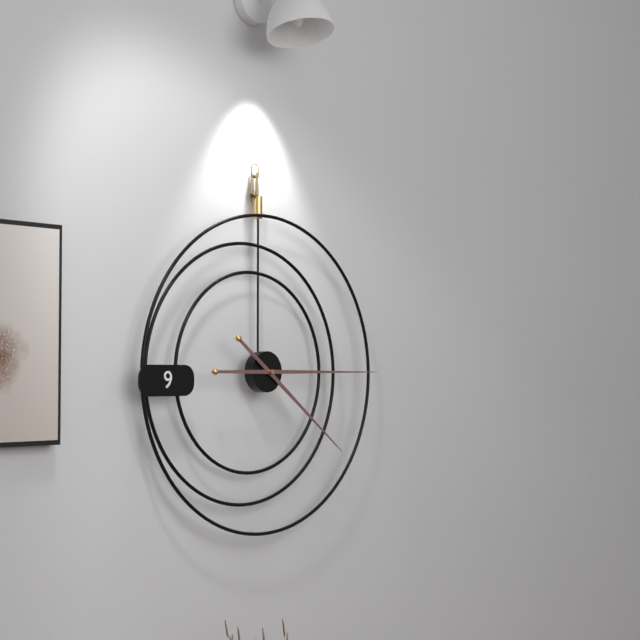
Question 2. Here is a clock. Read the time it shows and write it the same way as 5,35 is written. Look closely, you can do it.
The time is 4,15
